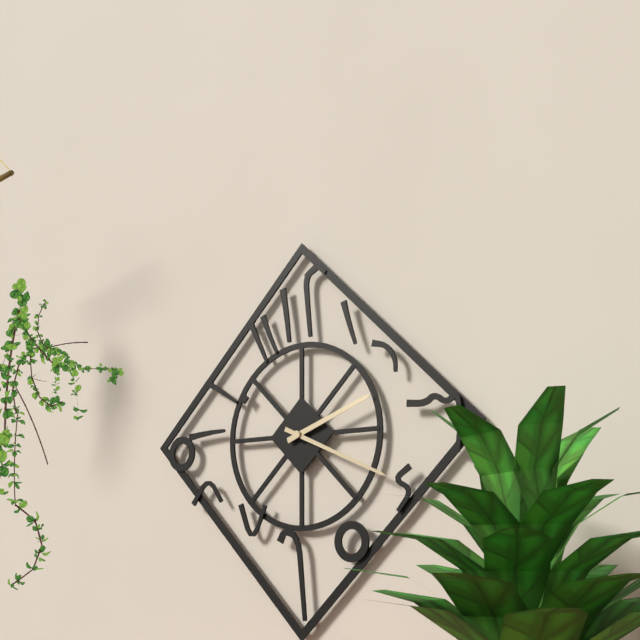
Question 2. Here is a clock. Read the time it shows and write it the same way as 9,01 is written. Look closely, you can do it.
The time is 2,19
